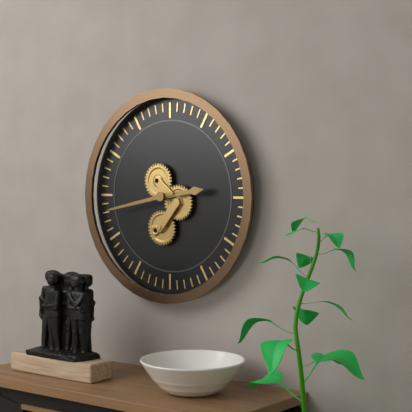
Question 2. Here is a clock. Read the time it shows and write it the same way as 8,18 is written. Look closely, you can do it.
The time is 2,43
